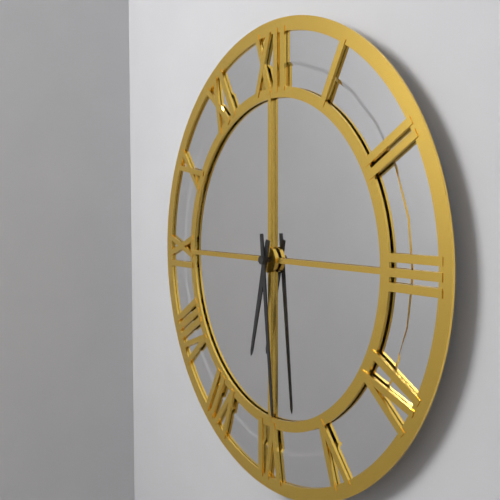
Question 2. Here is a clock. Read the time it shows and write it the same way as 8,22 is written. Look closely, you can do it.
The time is 6,29
